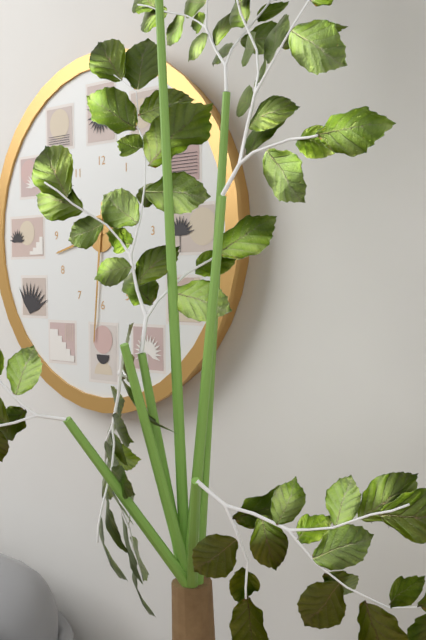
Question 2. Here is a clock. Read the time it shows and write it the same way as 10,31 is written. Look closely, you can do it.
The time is 8,31
